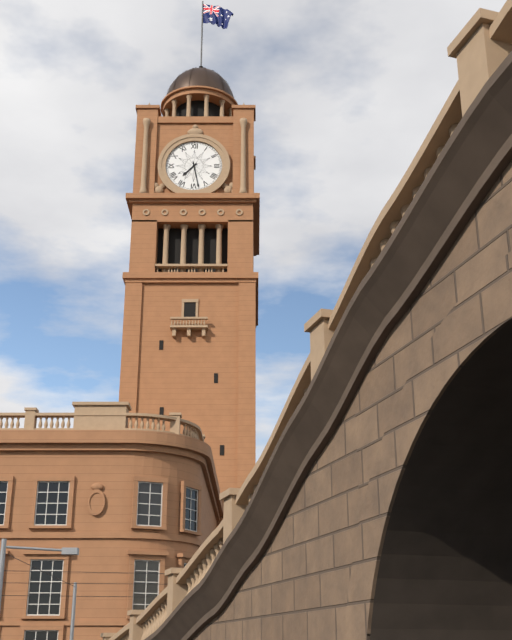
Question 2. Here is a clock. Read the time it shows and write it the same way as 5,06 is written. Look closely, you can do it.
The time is 7,28
